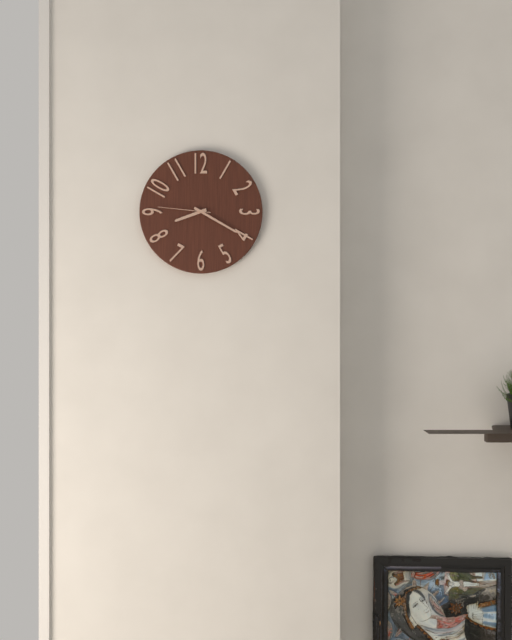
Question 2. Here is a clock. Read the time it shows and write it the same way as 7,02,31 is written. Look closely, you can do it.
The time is 8,20,46
